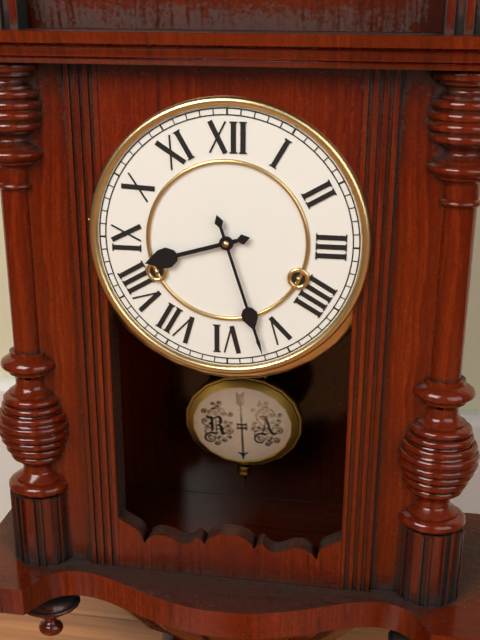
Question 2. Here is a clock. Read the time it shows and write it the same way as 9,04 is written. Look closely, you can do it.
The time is 8,27
